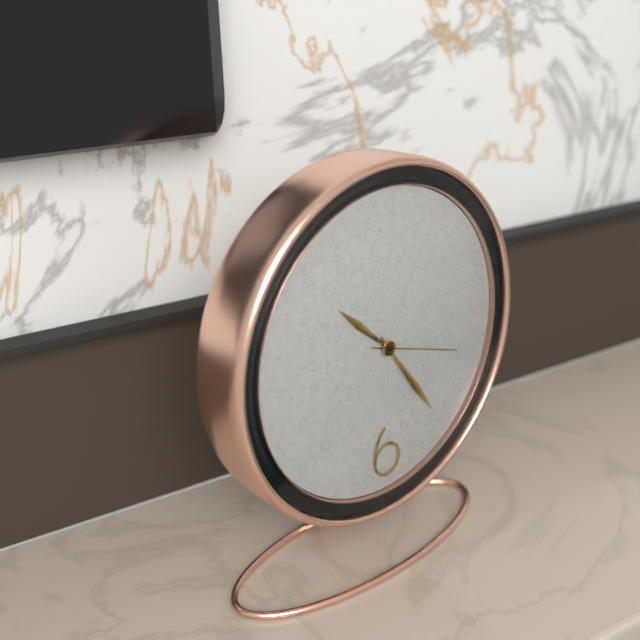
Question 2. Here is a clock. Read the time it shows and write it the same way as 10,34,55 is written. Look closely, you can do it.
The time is 10,24,18
